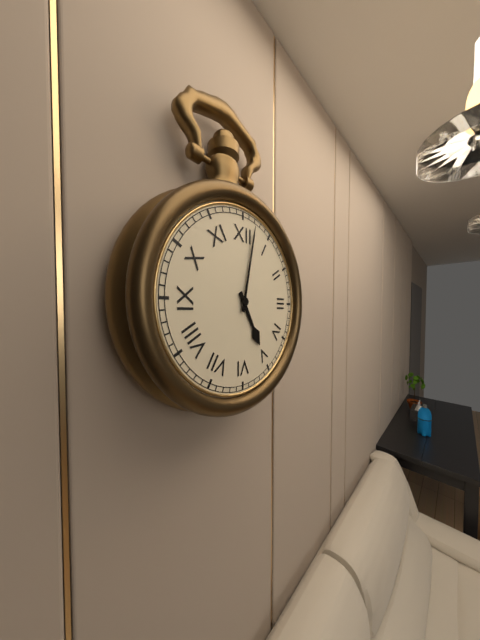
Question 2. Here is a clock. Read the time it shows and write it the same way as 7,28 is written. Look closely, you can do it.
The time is 5,02
